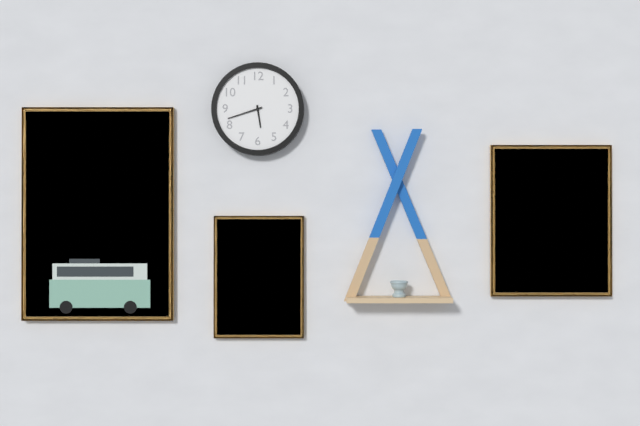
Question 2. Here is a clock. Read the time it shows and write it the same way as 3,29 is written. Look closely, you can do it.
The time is 5,42
